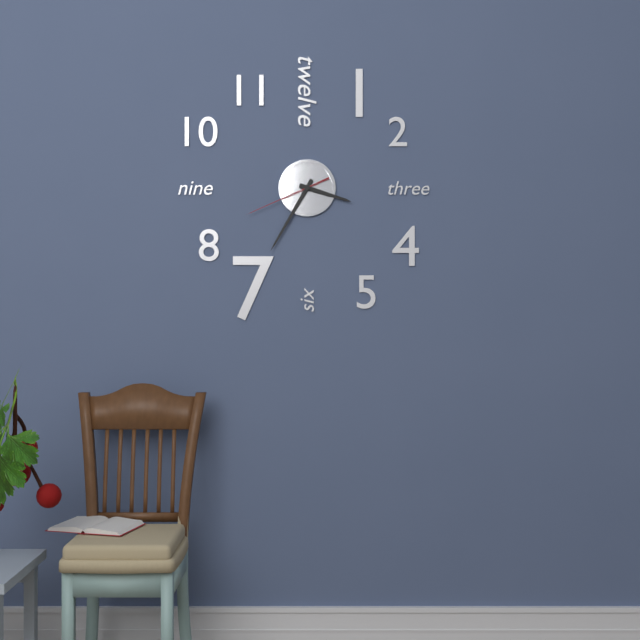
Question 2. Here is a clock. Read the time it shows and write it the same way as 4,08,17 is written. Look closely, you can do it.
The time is 3,35,41
